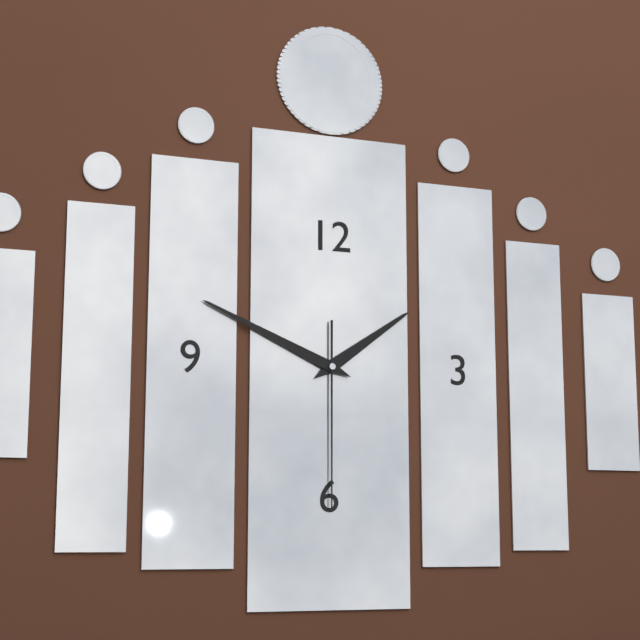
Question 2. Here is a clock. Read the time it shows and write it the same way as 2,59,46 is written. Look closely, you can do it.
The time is 1,49,30
